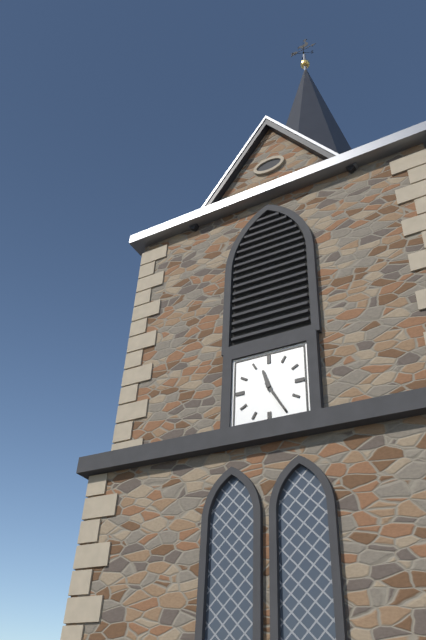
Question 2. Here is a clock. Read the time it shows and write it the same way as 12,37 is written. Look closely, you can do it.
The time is 11,25
